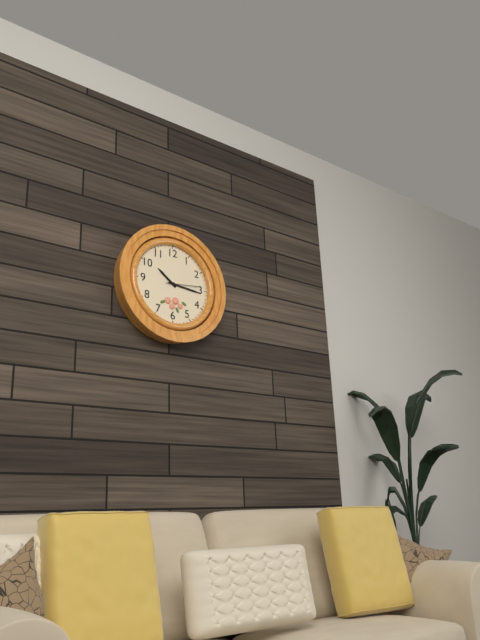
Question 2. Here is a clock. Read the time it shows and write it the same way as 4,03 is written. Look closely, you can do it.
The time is 10,16
